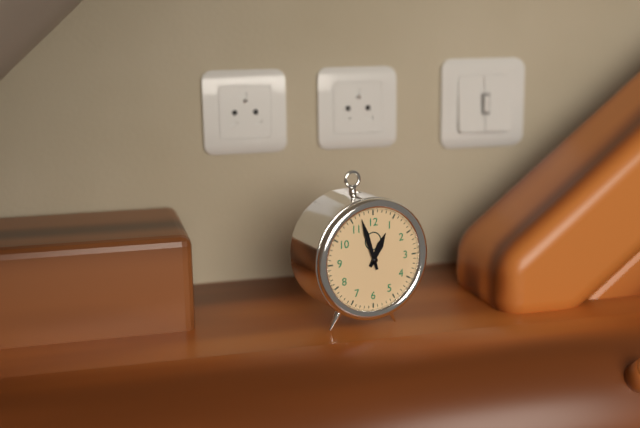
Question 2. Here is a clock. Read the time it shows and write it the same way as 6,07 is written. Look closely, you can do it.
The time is 12,57
